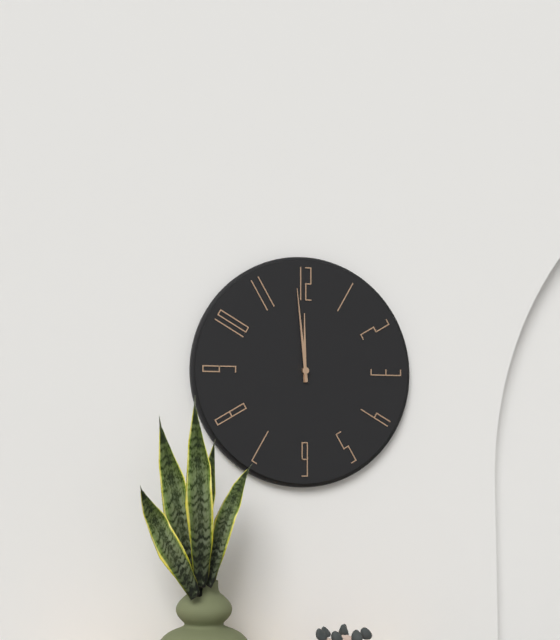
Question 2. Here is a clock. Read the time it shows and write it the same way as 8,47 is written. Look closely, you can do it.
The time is 11,59
